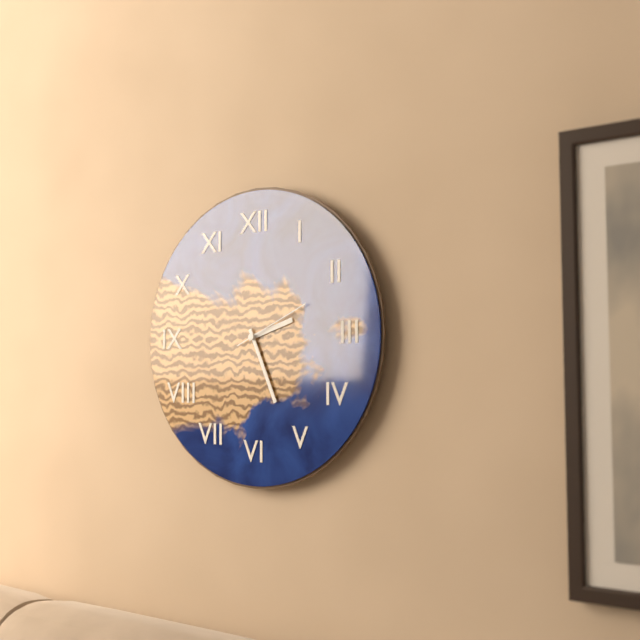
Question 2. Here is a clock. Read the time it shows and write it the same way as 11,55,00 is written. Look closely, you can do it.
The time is 2,26,11
